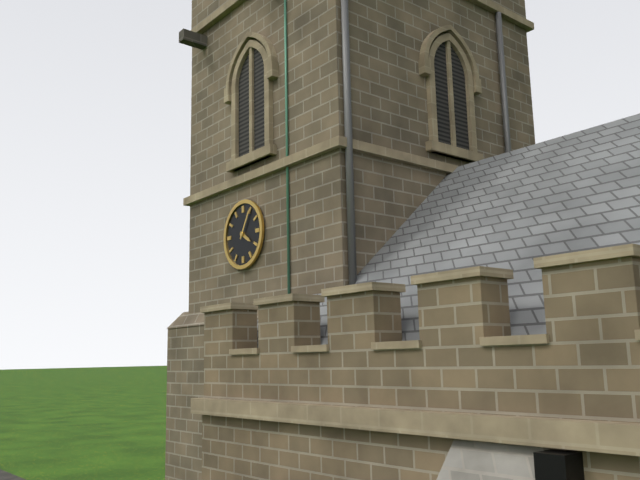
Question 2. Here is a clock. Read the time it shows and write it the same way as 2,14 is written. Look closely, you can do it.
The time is 4,05
